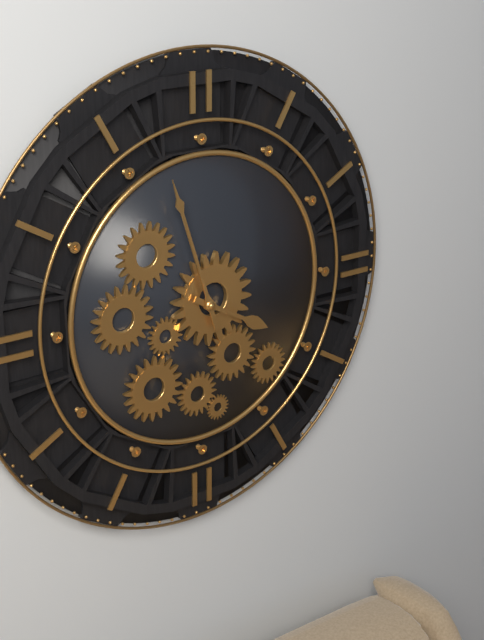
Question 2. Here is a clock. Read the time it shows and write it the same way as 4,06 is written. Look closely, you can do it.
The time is 3,57
